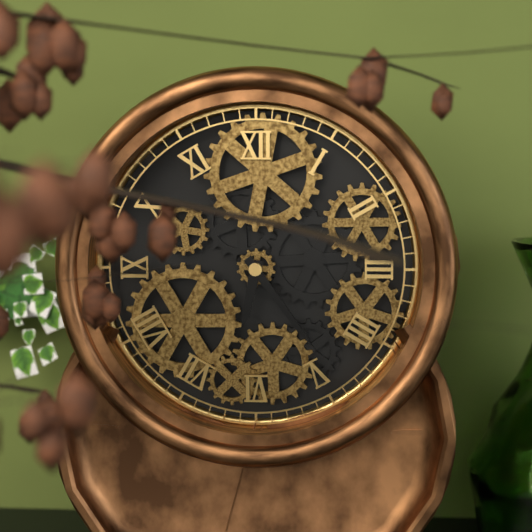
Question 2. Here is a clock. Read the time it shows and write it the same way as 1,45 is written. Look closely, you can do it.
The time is 6,24
